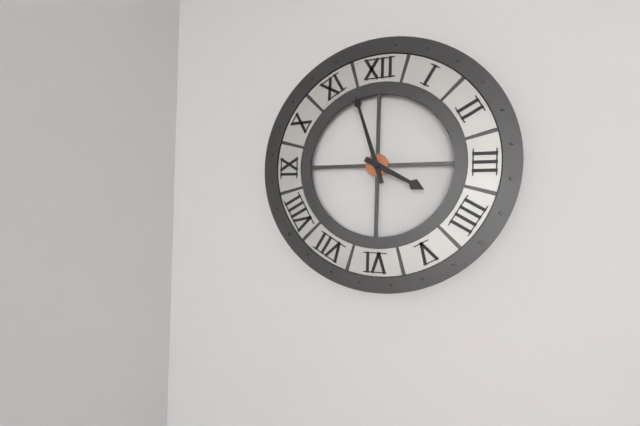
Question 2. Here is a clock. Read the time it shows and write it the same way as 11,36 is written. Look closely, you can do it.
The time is 3,57
